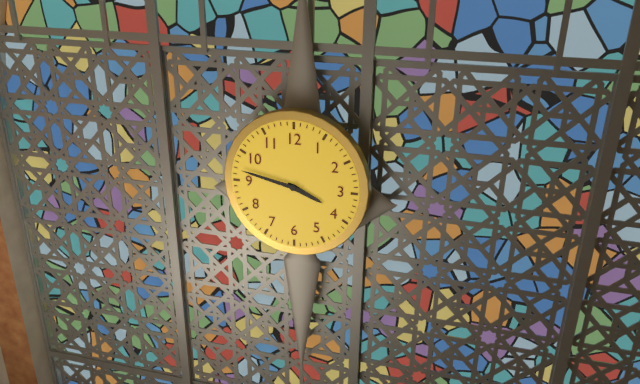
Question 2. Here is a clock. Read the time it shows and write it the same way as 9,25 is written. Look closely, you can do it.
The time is 3,47
